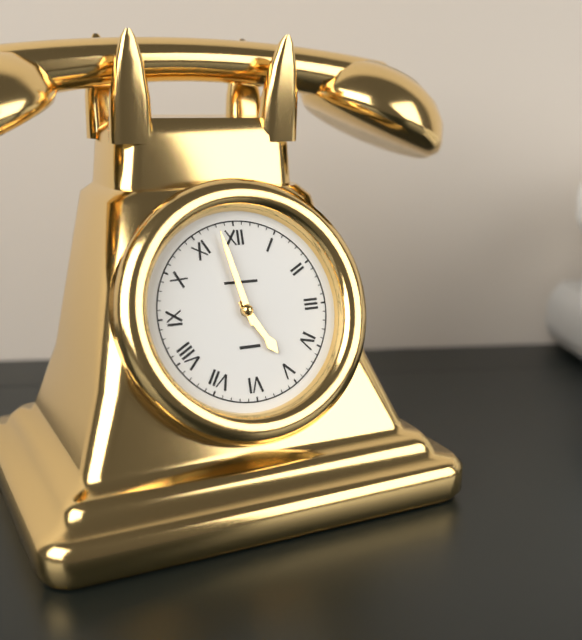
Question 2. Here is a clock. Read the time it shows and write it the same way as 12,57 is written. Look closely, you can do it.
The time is 4,58
